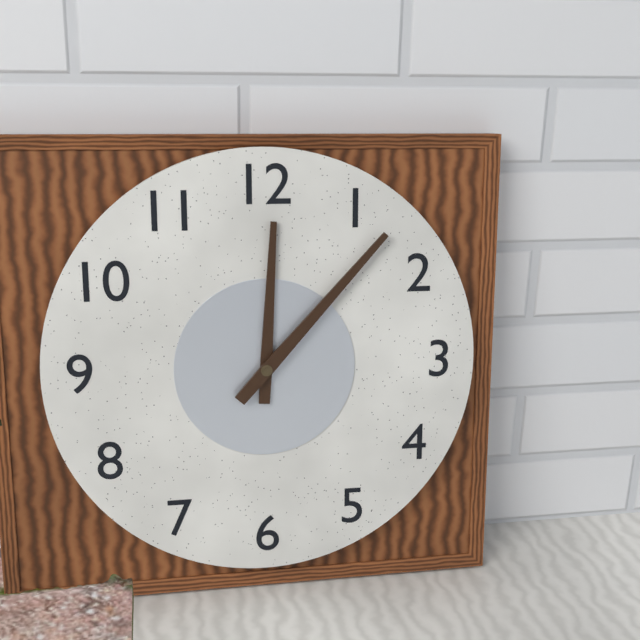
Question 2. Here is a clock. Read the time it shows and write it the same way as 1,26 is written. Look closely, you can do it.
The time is 12,07
